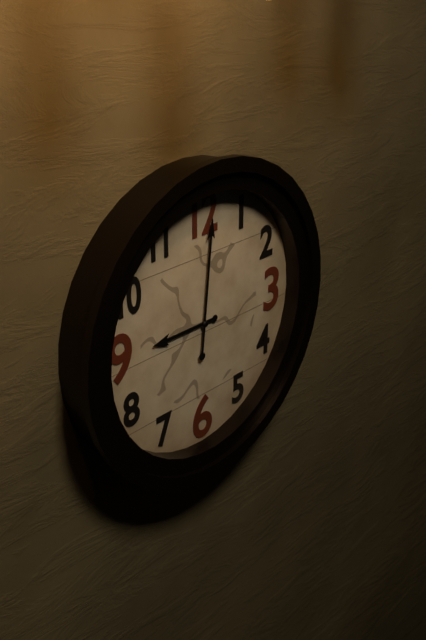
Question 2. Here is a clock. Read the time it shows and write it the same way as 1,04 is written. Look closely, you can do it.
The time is 9,01
